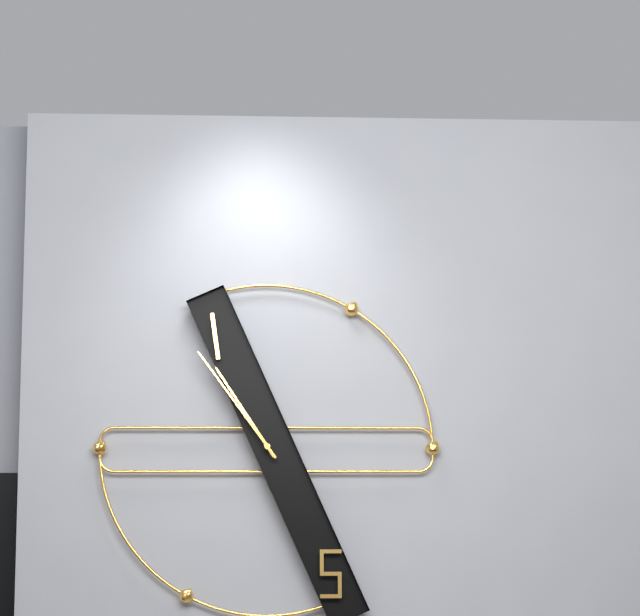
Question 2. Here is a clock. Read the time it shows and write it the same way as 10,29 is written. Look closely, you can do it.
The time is 10,54
